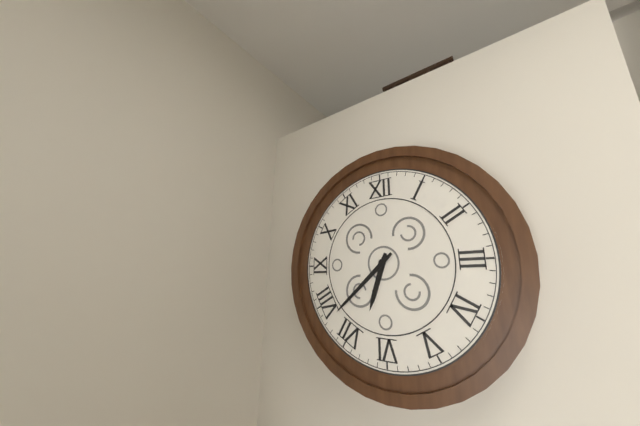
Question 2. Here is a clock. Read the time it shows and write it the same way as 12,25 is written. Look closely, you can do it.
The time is 6,38
